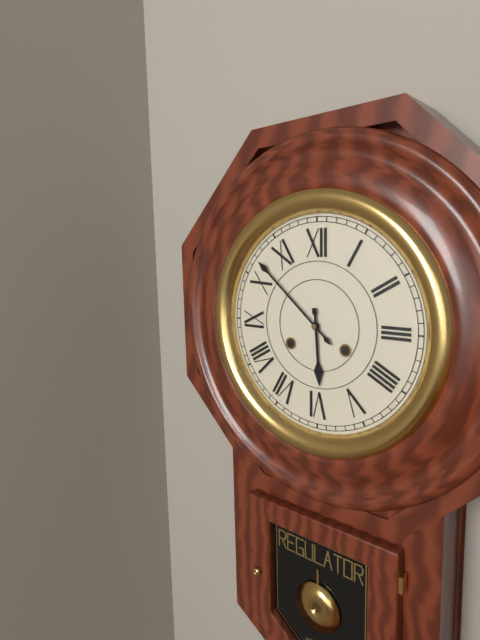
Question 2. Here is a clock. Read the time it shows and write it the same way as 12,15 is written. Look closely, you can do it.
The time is 5,52
